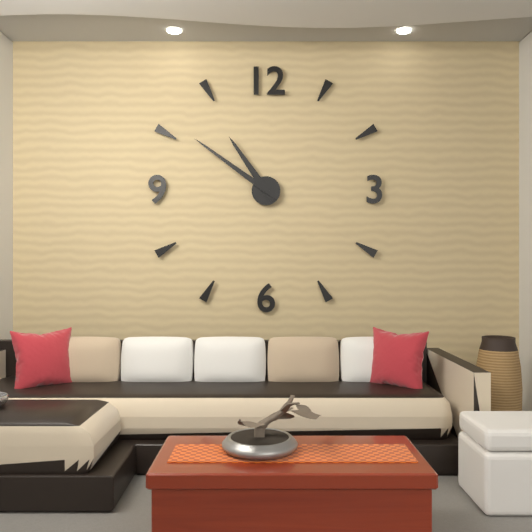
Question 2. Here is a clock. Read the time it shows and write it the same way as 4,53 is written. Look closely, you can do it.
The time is 10,51
